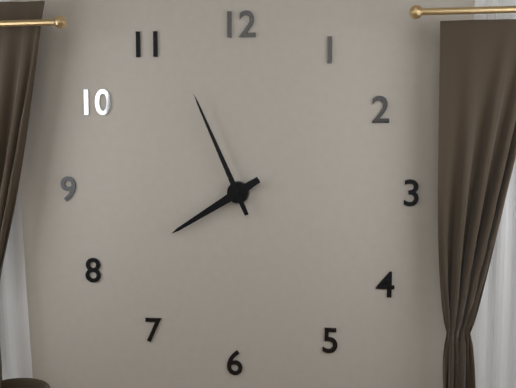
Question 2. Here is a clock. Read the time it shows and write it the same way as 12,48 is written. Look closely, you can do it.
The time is 7,56
